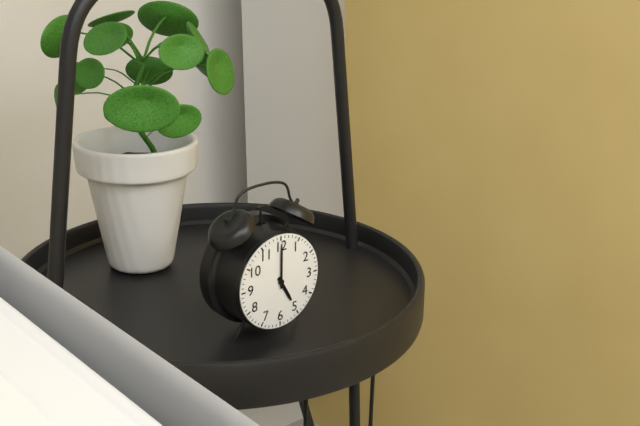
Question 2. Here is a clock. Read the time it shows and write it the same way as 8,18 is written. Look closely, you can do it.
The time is 5,00
